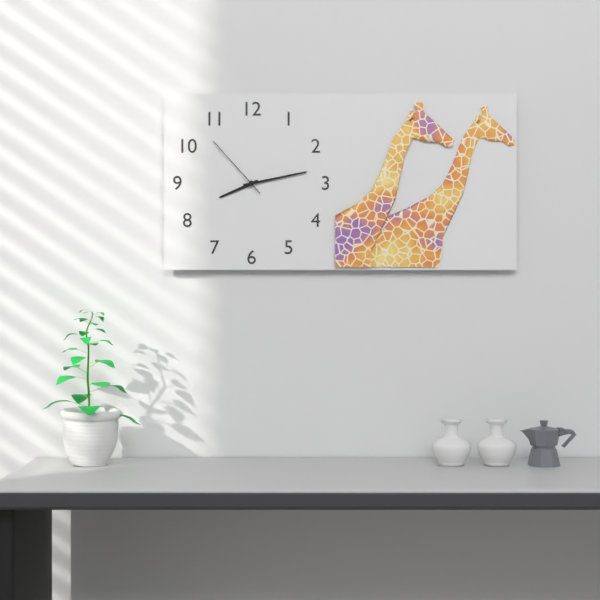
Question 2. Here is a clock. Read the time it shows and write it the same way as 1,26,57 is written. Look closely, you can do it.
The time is 8,13,53
